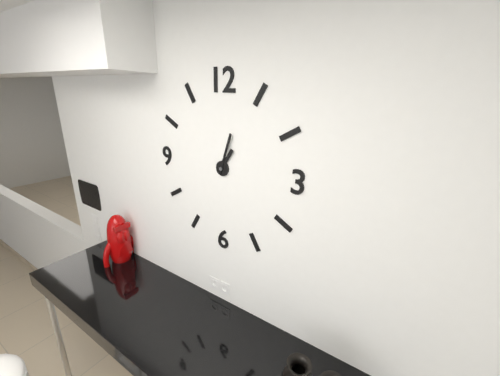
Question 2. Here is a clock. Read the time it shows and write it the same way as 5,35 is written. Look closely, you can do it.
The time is 1,03
